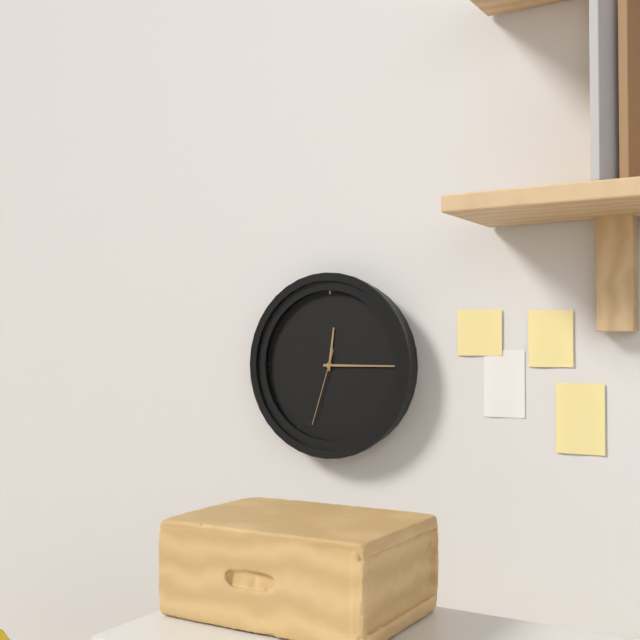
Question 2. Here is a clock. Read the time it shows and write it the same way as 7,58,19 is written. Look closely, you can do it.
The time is 12,15,33
